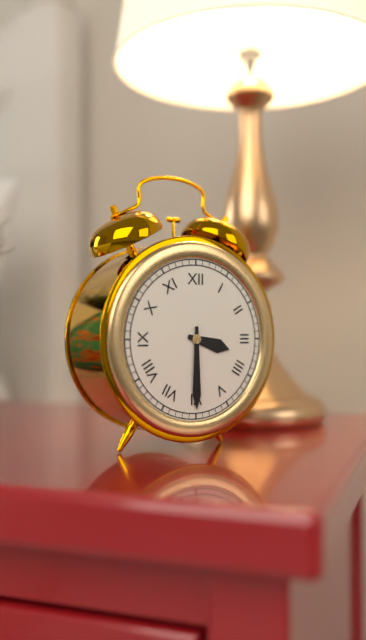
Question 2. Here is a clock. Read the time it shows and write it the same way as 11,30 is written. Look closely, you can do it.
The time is 3,30
